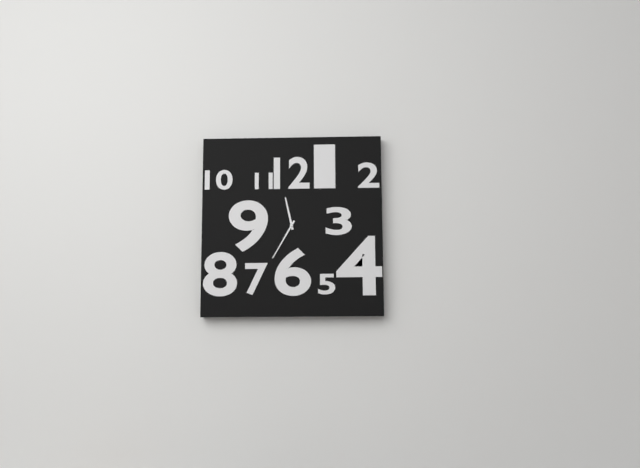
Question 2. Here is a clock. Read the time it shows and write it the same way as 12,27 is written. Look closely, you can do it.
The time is 11,35
